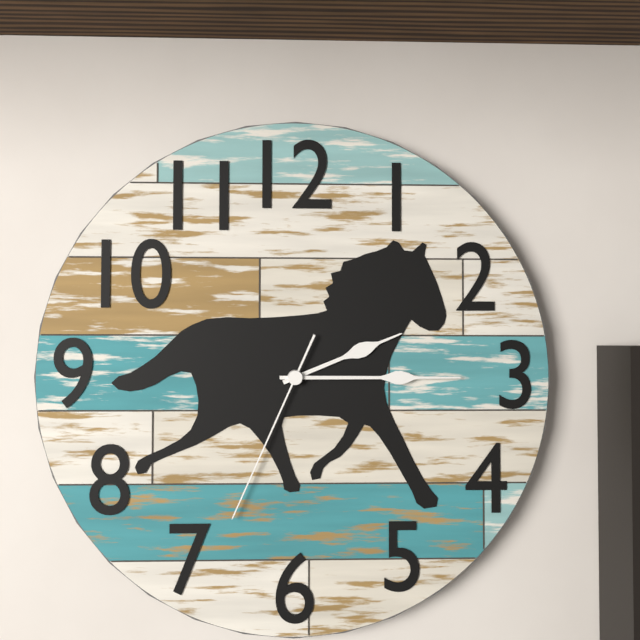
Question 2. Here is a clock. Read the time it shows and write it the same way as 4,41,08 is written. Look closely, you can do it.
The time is 2,15,34
